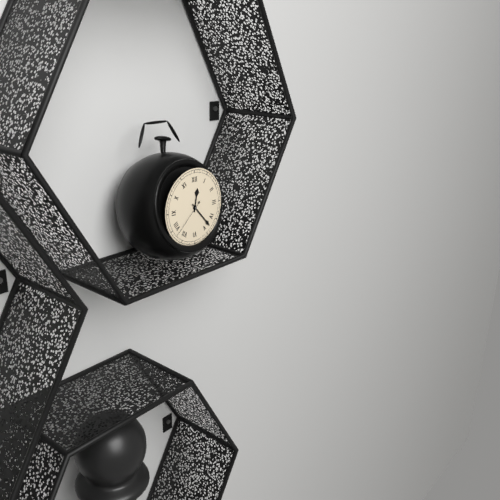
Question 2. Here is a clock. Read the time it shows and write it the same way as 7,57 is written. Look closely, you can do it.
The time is 12,23
